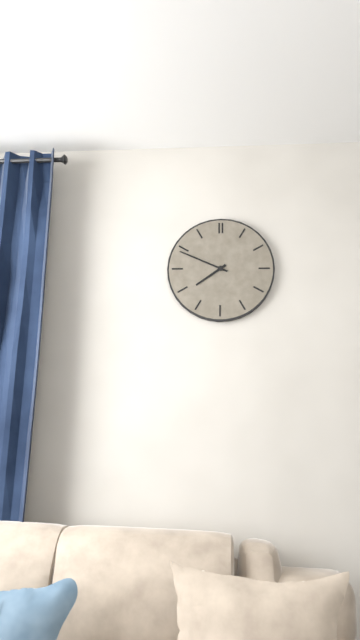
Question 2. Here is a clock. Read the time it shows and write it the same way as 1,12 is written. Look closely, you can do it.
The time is 7,49
